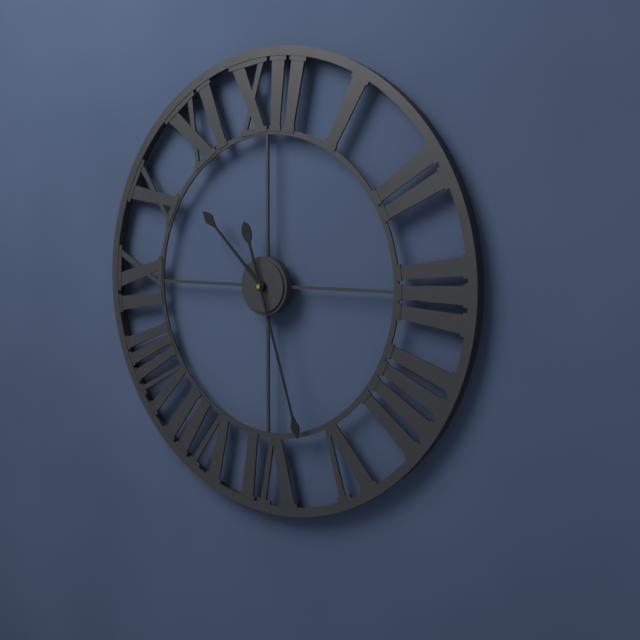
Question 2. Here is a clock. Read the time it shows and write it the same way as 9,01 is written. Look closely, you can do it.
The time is 10,27
